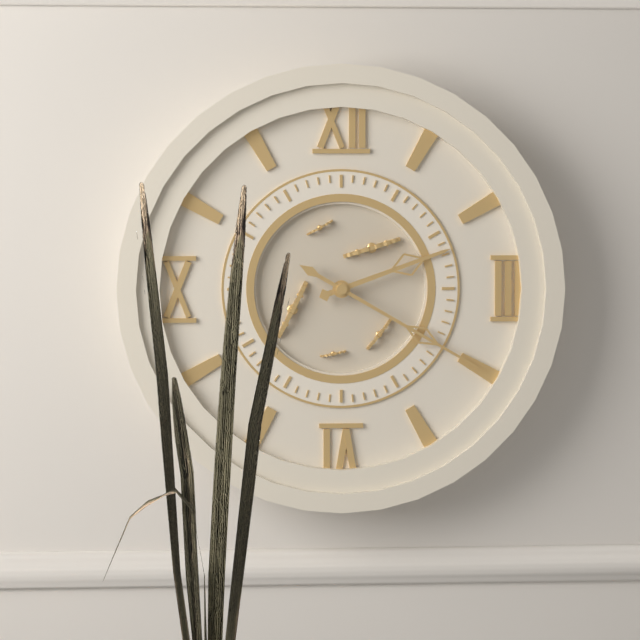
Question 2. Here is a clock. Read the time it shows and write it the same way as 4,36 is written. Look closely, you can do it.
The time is 2,20
